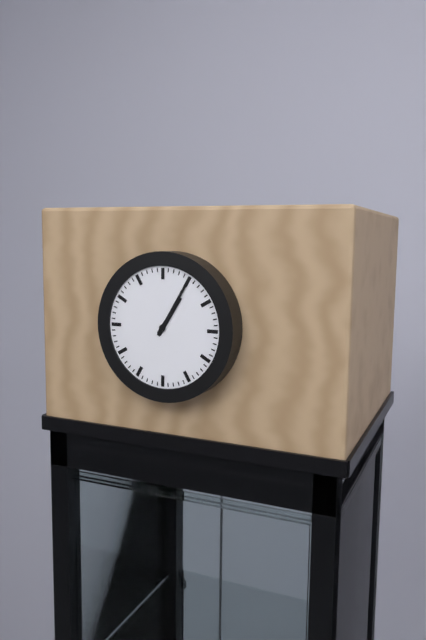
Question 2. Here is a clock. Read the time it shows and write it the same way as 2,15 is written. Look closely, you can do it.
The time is 1,05
